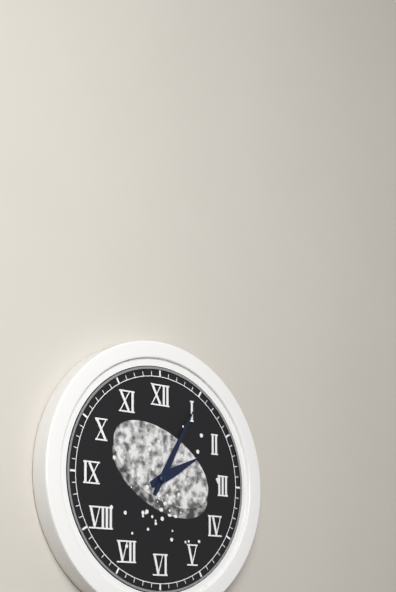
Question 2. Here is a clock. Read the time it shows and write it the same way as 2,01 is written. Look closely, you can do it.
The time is 2,05
